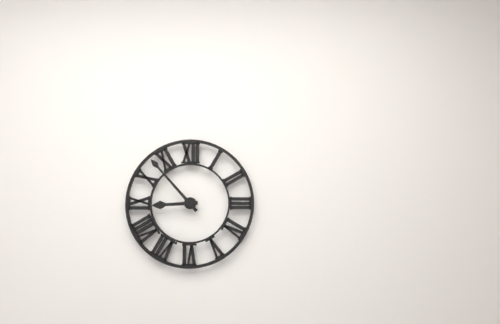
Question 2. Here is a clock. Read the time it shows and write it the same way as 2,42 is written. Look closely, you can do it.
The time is 8,53
